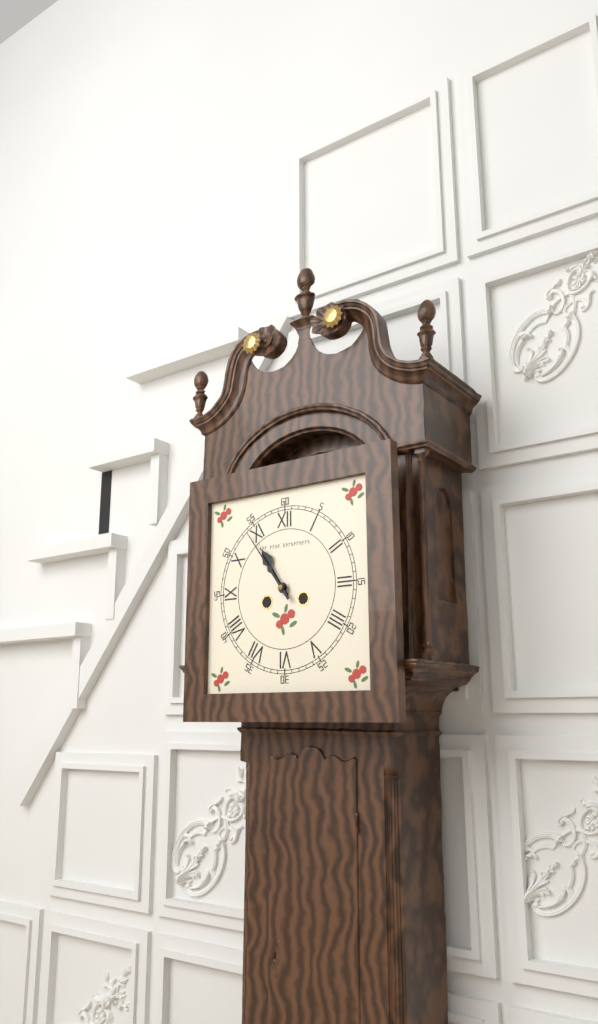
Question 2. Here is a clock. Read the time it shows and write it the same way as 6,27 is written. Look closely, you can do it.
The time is 10,54
